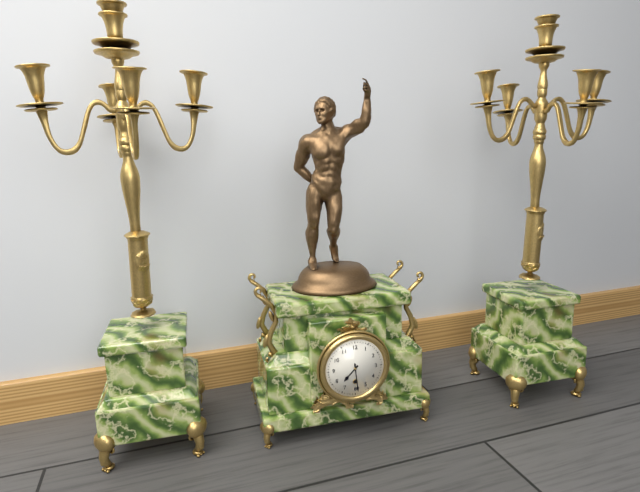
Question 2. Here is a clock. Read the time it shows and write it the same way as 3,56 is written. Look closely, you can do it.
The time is 7,29
